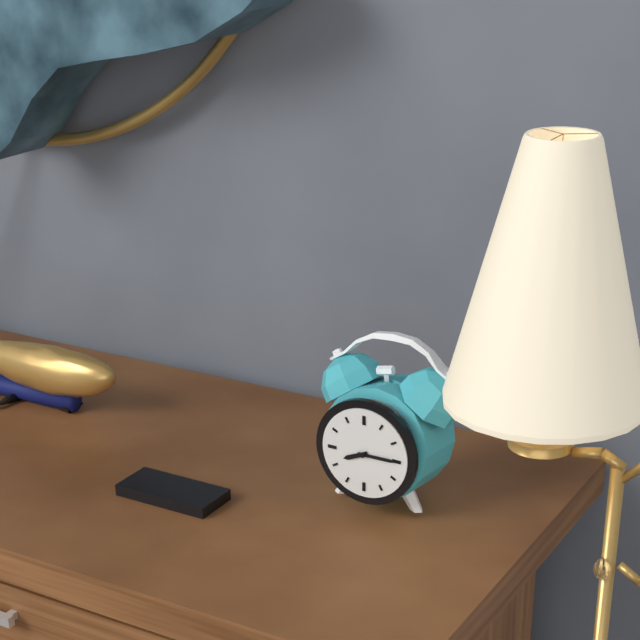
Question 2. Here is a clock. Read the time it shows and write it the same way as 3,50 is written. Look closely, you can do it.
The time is 8,15
